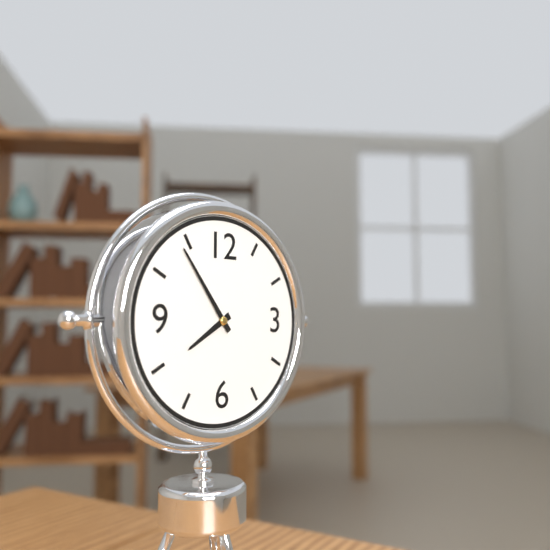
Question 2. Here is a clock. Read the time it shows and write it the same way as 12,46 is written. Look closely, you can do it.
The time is 7,54
